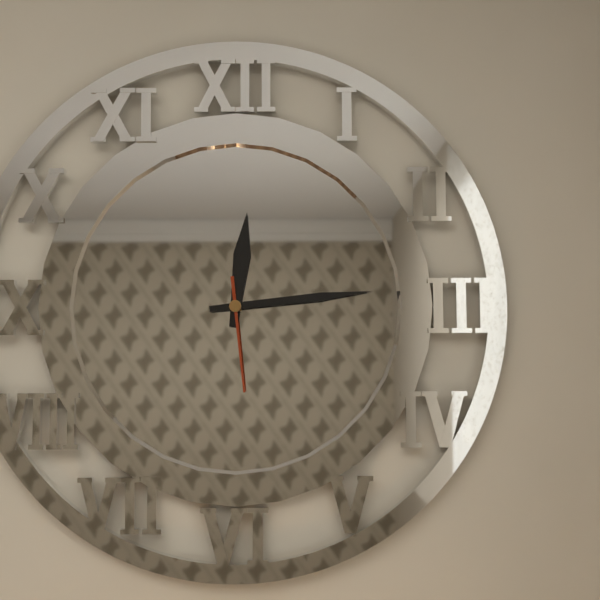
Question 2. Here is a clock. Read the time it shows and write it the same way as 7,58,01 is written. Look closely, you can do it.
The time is 12,14,29
